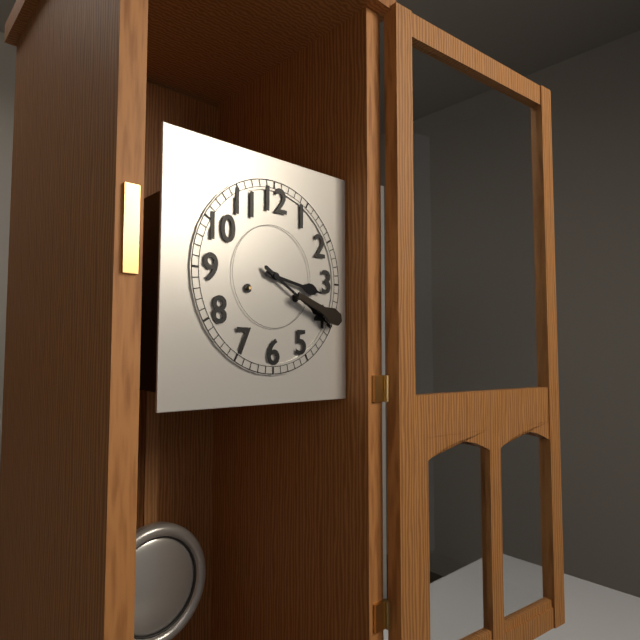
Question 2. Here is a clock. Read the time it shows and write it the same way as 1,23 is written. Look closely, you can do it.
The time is 3,20
